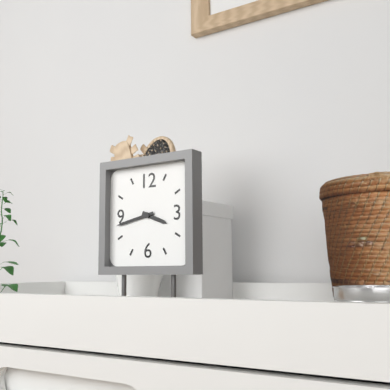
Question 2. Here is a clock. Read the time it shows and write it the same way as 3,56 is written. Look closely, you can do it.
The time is 3,43
